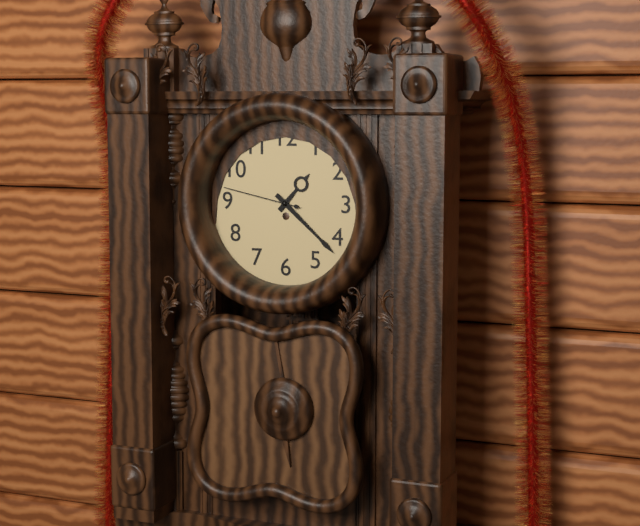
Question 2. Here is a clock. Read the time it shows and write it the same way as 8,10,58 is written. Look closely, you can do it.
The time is 1,22,47
